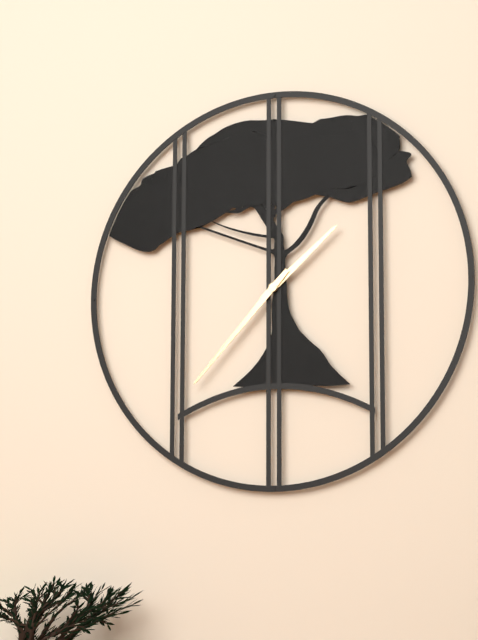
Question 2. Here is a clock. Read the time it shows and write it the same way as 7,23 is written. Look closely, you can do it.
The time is 1,37
